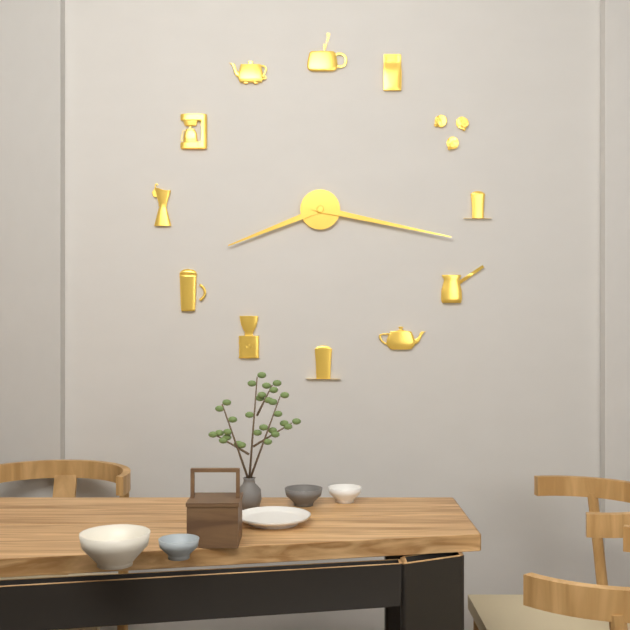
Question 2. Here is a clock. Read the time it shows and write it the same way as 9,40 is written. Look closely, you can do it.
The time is 8,17
